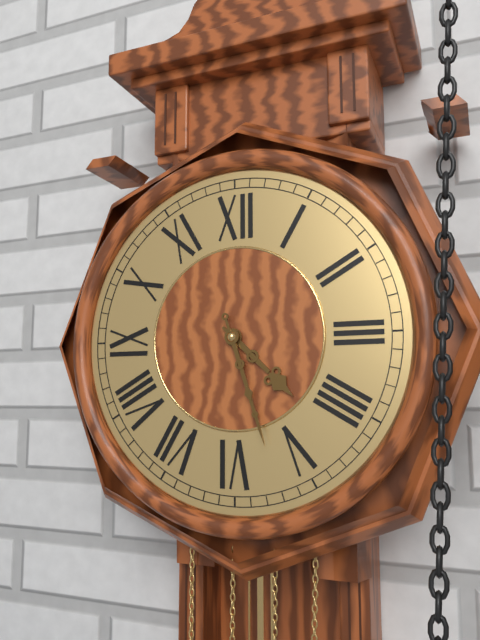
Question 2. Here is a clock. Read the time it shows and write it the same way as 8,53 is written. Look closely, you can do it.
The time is 4,27
